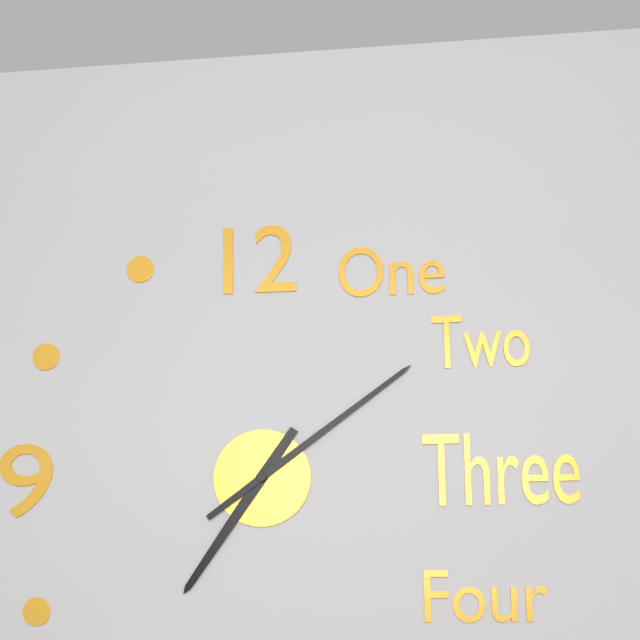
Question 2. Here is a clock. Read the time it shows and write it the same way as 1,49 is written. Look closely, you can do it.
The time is 7,09
